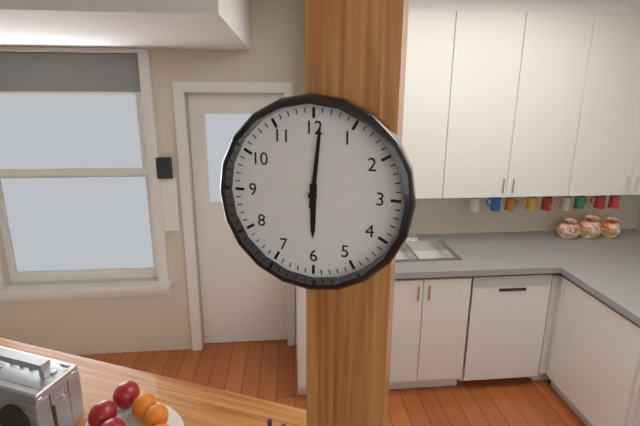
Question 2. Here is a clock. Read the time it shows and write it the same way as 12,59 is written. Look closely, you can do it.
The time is 6,01
